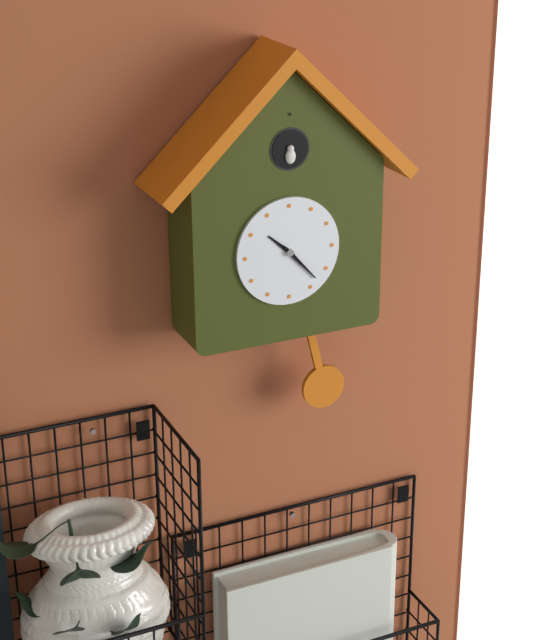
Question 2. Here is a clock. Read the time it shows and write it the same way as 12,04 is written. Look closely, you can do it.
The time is 10,23
